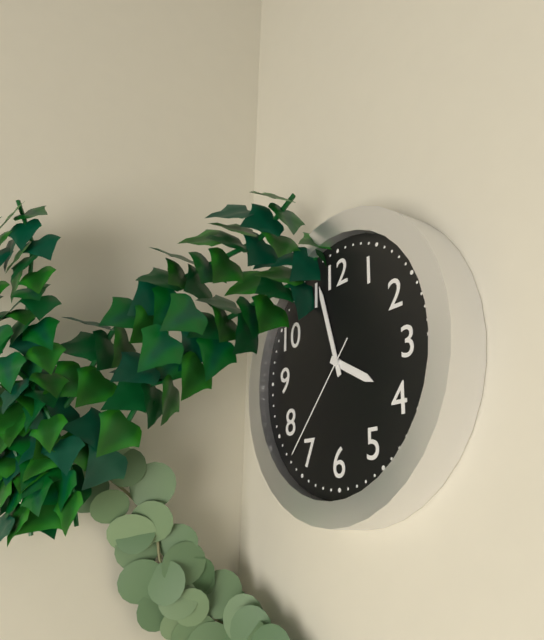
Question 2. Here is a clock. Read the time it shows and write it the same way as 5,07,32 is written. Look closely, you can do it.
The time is 3,57,37
